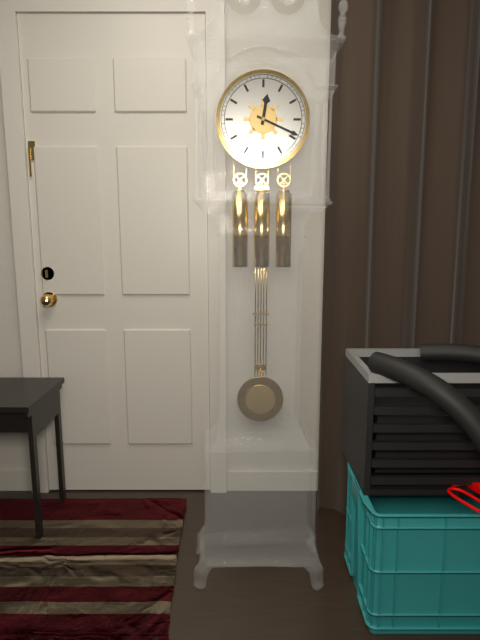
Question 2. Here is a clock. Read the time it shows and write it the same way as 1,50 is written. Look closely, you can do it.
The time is 12,19
